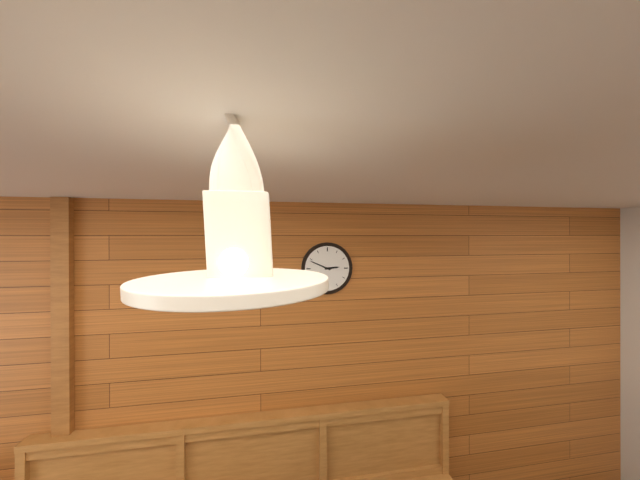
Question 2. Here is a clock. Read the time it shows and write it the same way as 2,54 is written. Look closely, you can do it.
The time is 2,49
